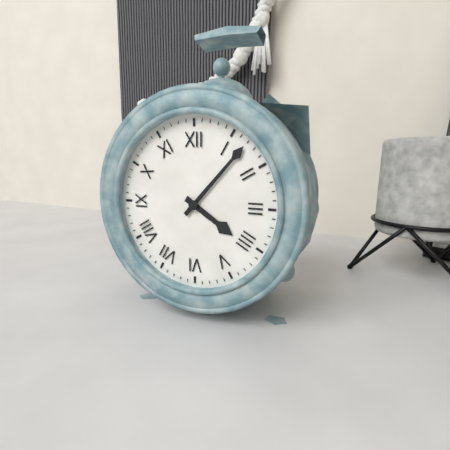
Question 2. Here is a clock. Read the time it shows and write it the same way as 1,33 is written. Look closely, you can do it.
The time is 4,07
